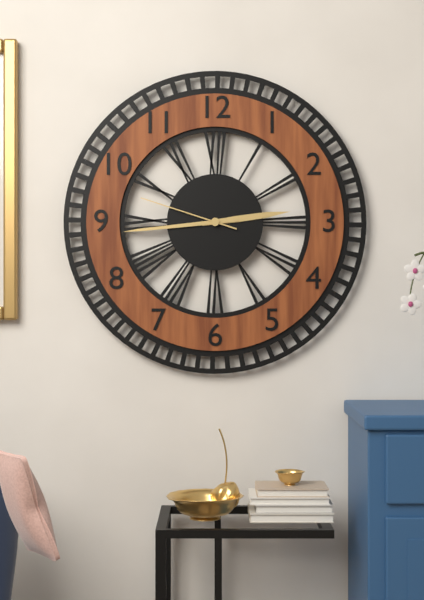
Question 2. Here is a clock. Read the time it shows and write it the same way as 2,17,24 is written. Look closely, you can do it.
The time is 2,44,48
